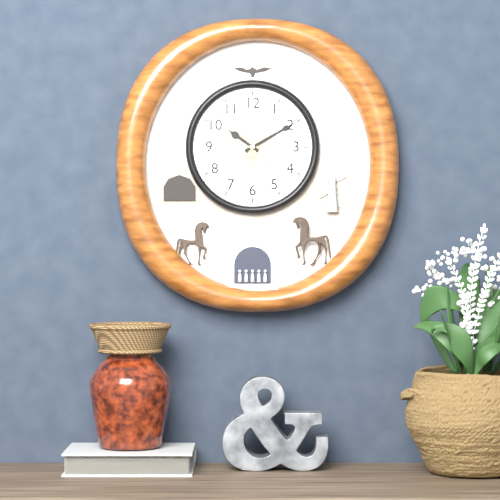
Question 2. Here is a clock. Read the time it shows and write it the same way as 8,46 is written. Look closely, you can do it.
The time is 10,10
